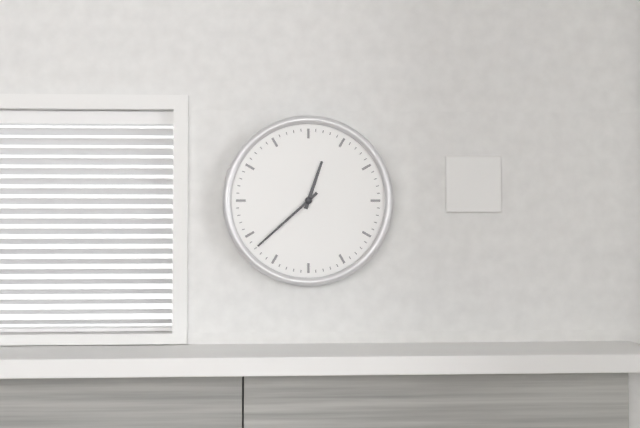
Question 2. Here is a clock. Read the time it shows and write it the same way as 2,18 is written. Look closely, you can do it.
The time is 12,38
